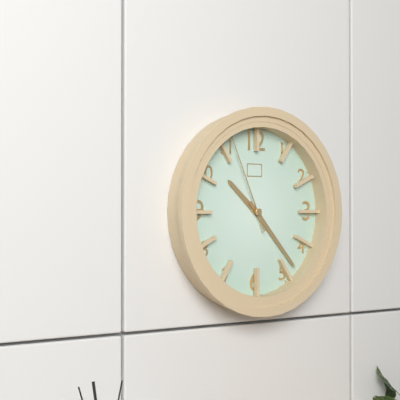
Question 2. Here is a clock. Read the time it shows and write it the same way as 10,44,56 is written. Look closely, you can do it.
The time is 10,23,56
